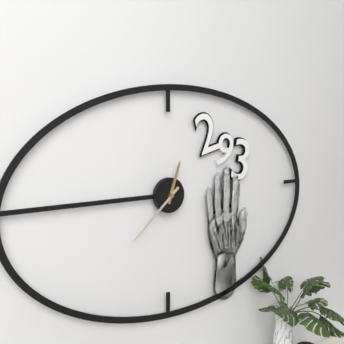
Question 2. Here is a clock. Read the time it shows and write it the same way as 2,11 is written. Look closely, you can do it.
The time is 12,38
